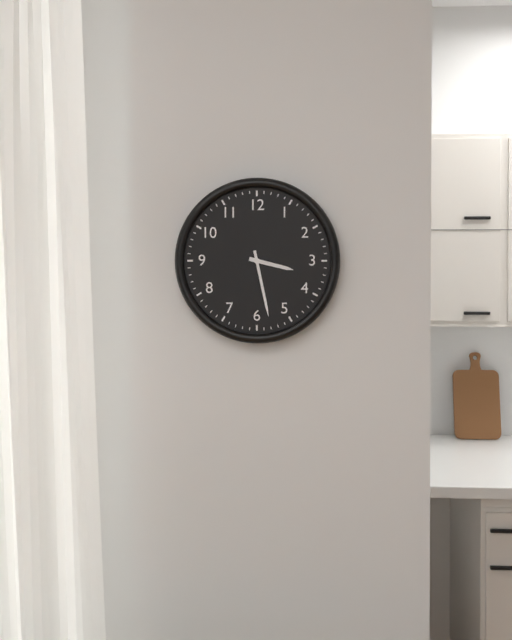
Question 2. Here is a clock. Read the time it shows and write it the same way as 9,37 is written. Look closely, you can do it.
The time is 3,28
